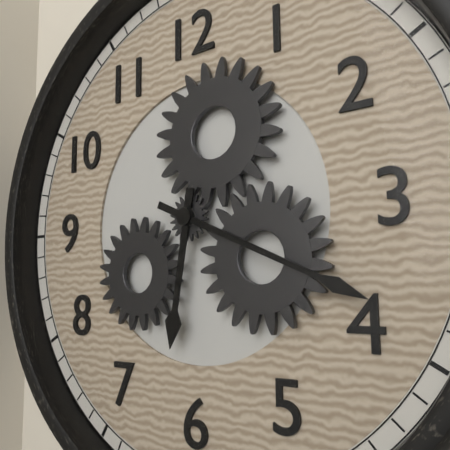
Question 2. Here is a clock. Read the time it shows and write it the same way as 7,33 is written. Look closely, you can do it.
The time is 6,19
